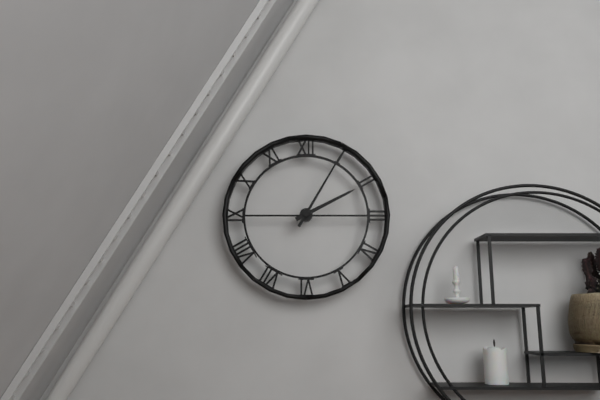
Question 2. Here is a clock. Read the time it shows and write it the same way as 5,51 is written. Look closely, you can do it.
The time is 2,05
